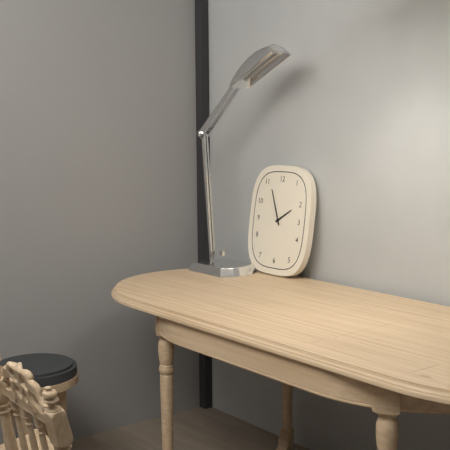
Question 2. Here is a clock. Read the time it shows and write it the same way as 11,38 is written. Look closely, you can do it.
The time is 1,56
